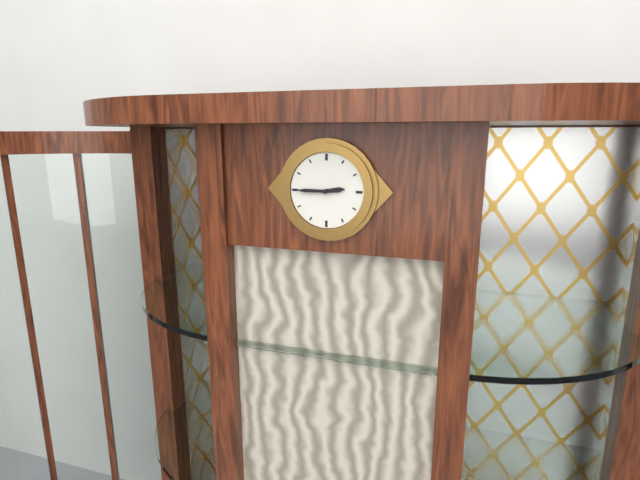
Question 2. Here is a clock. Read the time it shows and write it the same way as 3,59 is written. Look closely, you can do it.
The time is 2,45
